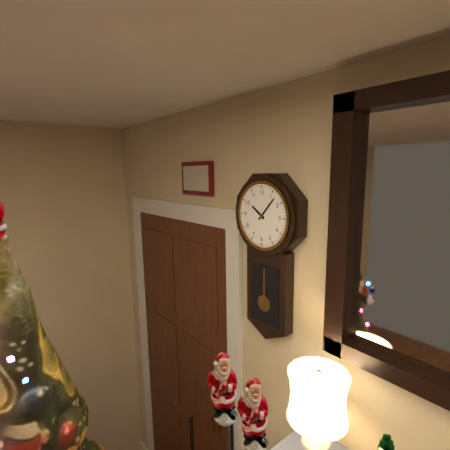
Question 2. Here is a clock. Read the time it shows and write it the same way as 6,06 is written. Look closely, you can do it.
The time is 10,07
